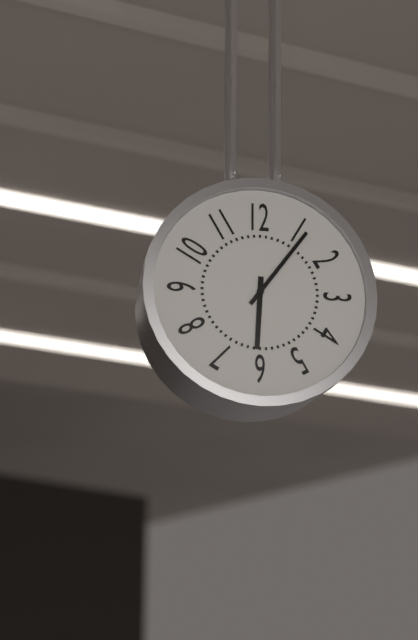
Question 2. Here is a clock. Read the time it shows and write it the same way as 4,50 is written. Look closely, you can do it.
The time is 6,06
